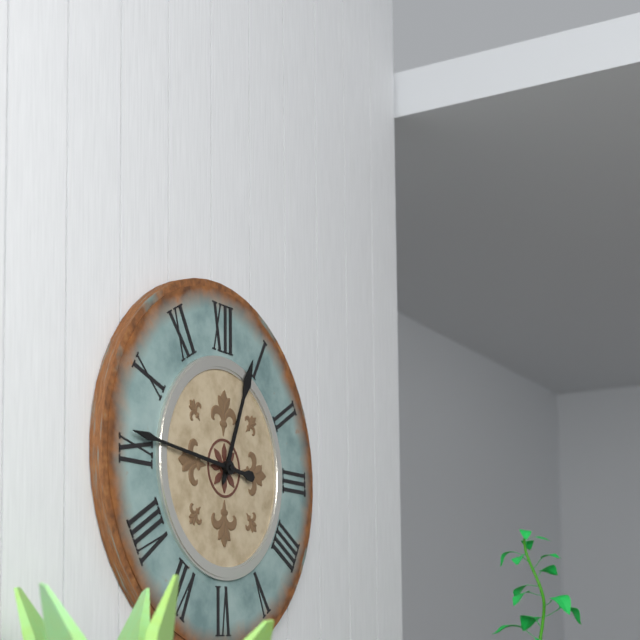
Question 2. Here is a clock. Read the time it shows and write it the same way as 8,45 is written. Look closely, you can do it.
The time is 12,46
